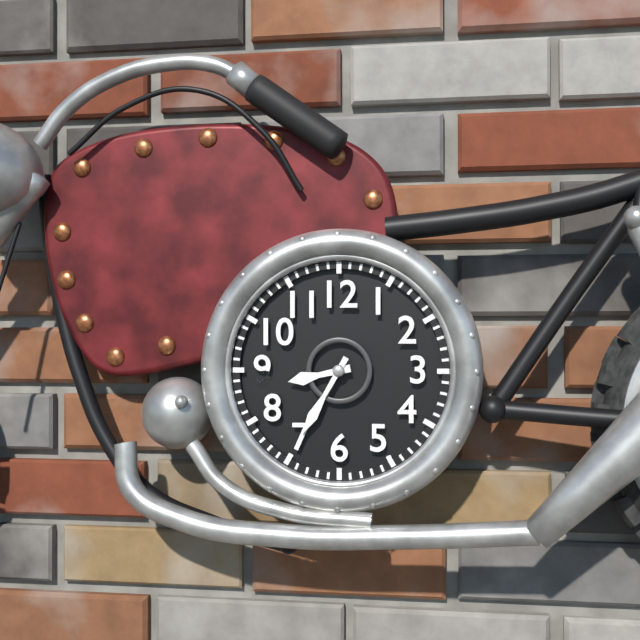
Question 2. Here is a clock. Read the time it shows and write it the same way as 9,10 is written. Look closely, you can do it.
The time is 8,35
